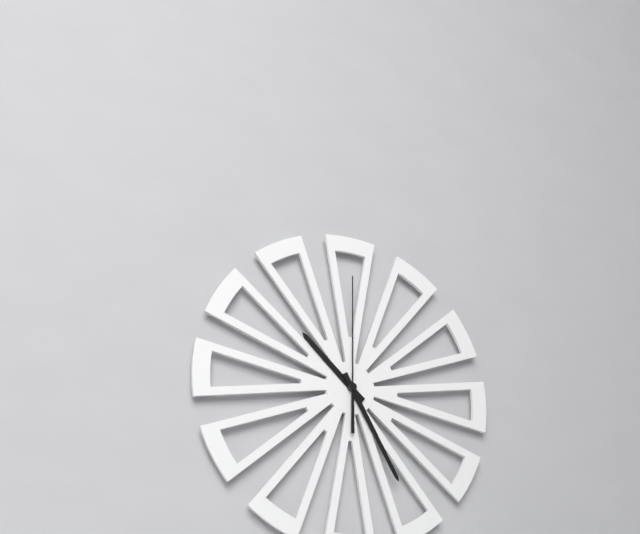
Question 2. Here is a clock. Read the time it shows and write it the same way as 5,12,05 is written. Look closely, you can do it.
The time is 10,25,00
